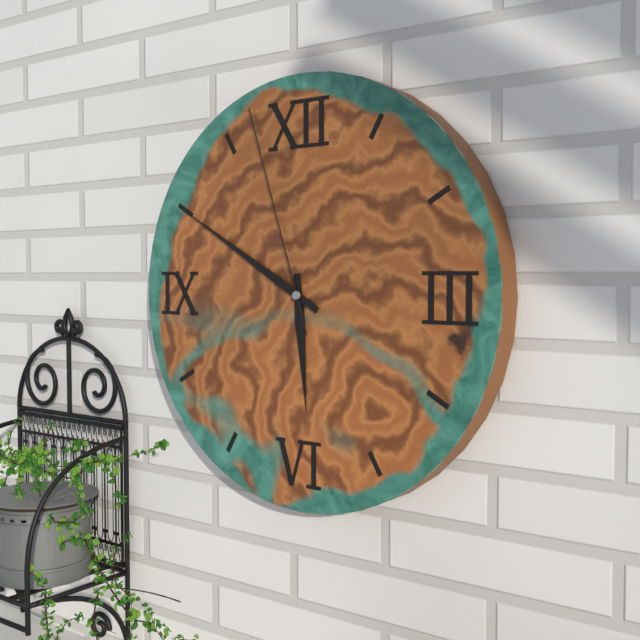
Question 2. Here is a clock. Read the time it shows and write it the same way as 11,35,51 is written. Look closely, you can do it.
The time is 5,50,57
